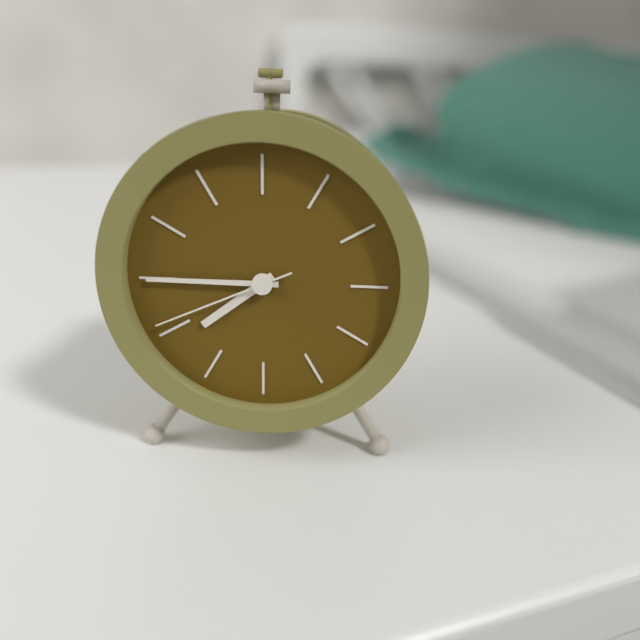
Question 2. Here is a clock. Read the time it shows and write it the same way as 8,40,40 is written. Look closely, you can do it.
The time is 7,45,41
